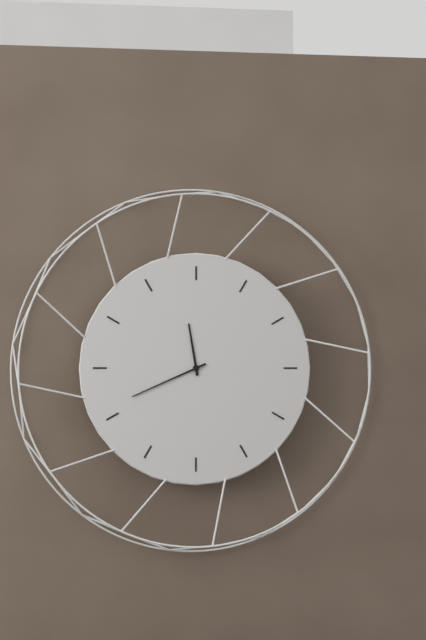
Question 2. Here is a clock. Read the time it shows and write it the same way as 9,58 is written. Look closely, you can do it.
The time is 11,41
